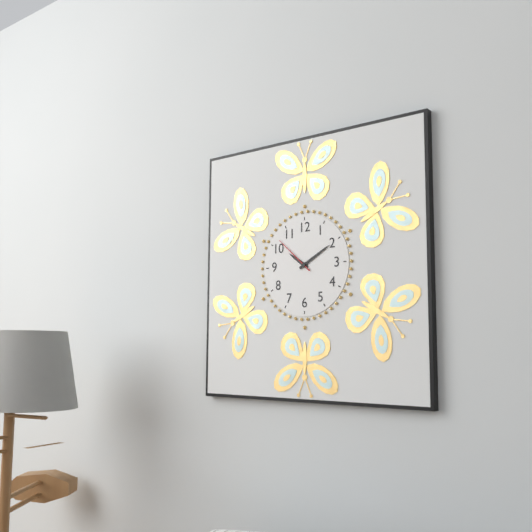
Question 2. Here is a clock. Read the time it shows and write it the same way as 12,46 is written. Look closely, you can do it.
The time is 10,10
